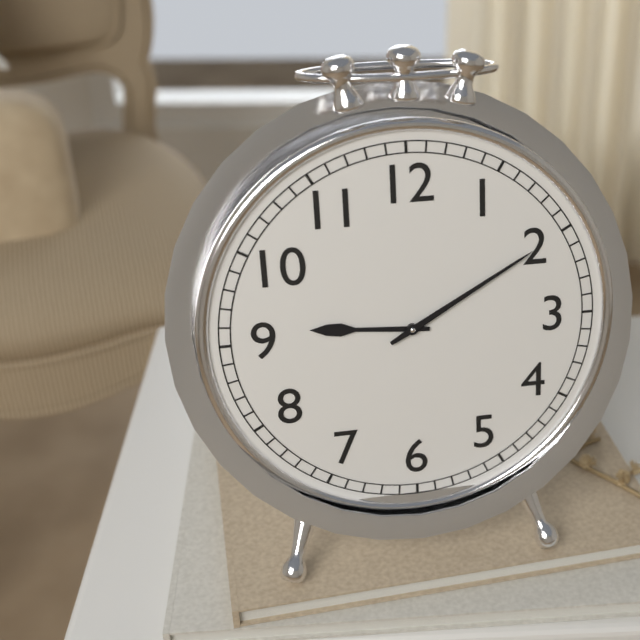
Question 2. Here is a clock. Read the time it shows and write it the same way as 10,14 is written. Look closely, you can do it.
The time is 9,10
